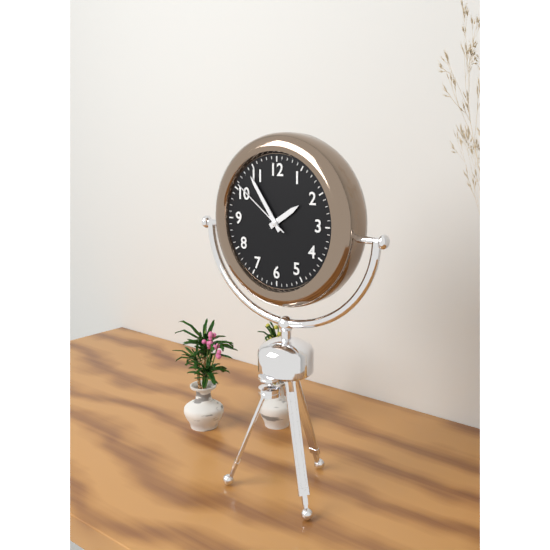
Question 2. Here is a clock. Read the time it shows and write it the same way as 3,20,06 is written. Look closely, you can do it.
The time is 1,54,51
